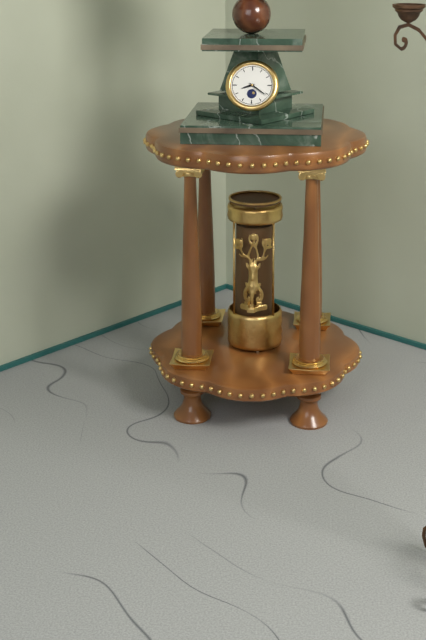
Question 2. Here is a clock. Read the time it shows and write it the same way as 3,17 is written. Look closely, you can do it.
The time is 8,21
